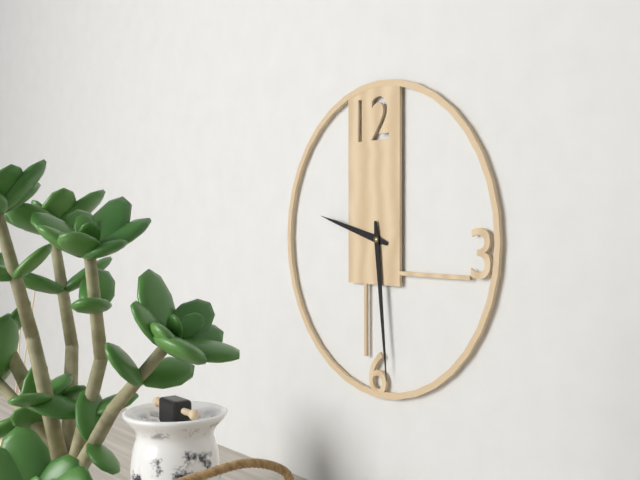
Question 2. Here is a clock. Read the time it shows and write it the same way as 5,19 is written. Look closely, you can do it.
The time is 9,29
